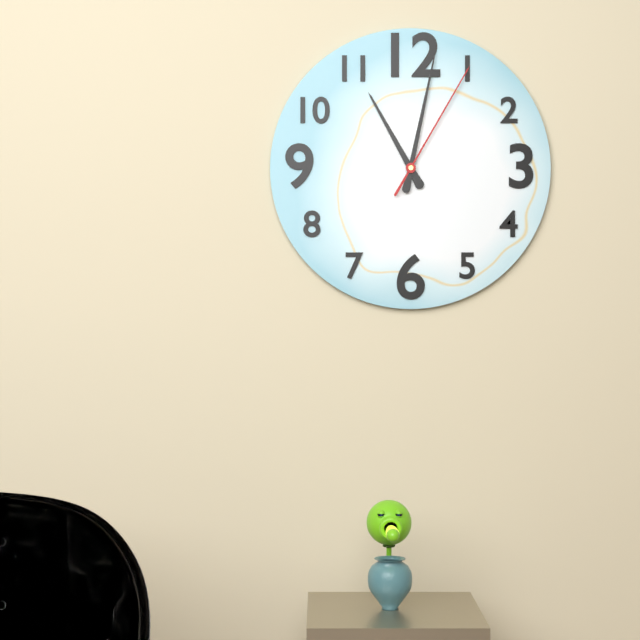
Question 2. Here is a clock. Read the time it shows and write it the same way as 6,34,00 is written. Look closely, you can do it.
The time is 11,02,05
